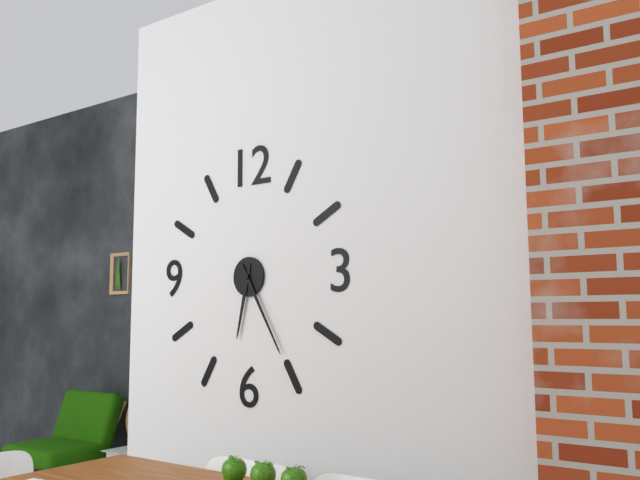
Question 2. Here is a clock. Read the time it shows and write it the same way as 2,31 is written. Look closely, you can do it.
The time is 6,25
